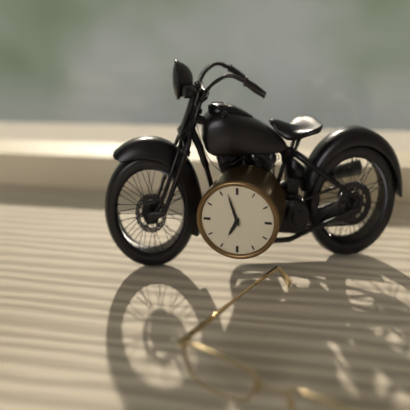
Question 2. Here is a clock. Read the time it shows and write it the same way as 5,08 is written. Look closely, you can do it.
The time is 6,57
